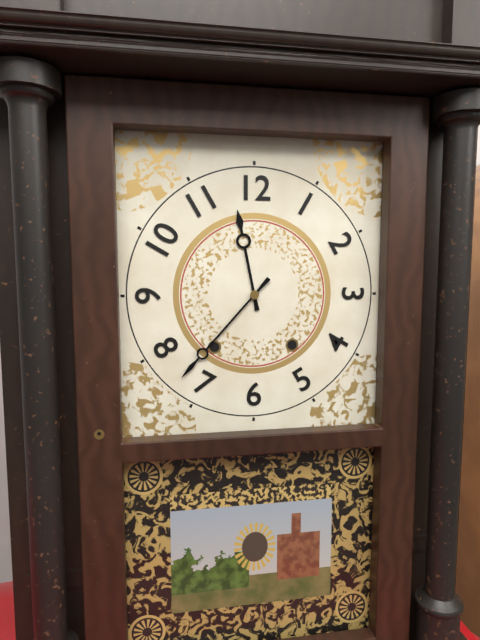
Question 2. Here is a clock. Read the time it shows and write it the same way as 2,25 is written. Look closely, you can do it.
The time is 11,37
